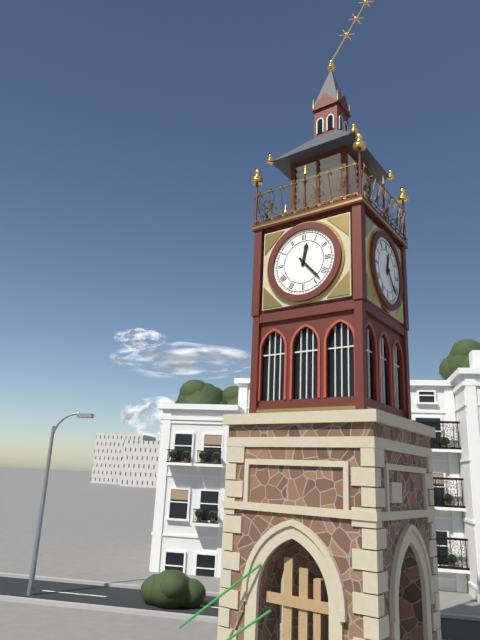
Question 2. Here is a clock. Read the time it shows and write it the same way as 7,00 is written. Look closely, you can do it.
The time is 12,23
